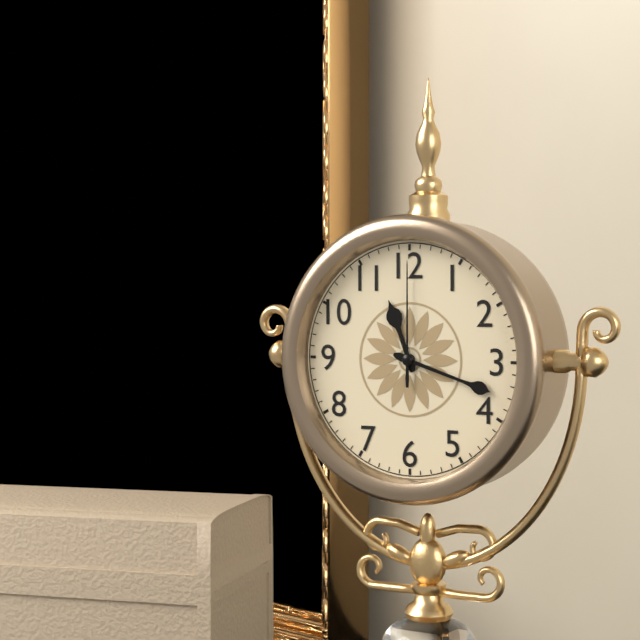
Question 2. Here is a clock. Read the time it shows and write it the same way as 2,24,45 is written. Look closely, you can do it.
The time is 11,18,00
